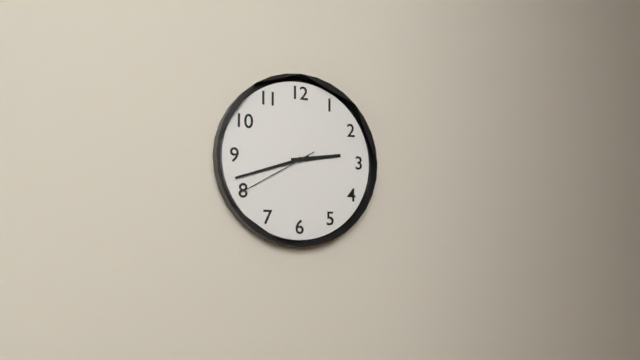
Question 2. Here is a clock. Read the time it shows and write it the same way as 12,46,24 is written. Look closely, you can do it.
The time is 2,42,40
